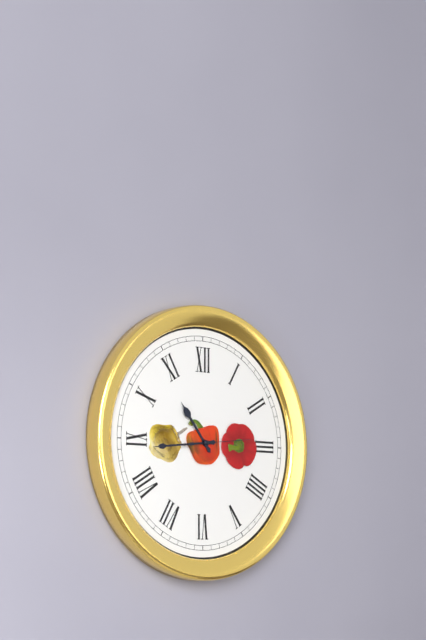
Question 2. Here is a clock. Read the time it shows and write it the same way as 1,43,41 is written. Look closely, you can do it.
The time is 10,44,14
